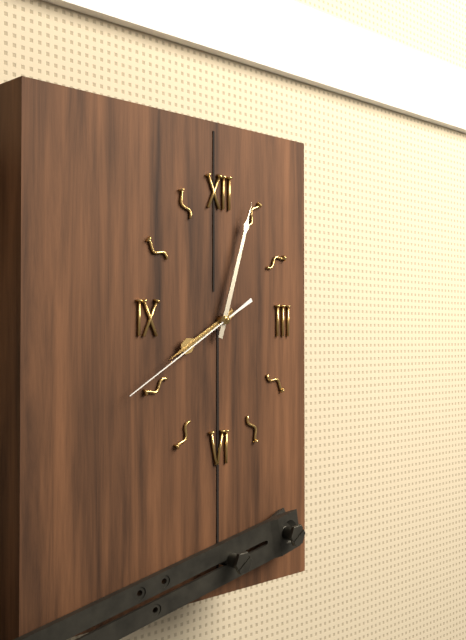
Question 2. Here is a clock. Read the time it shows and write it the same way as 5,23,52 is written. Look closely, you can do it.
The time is 8,03,40
